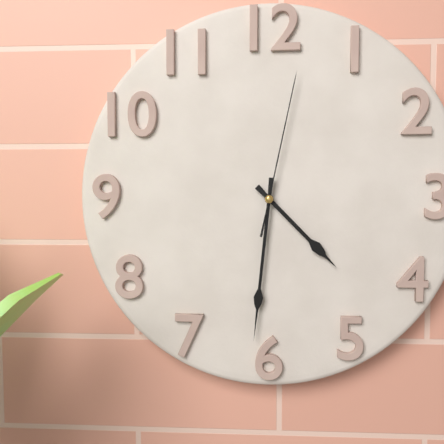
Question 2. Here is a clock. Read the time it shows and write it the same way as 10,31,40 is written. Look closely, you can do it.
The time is 4,31,02
